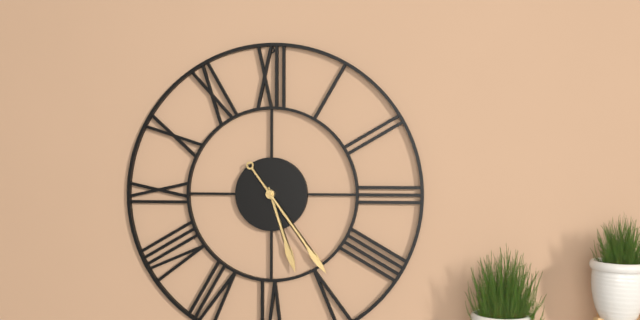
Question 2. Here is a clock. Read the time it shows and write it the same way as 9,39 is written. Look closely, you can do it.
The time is 5,24
